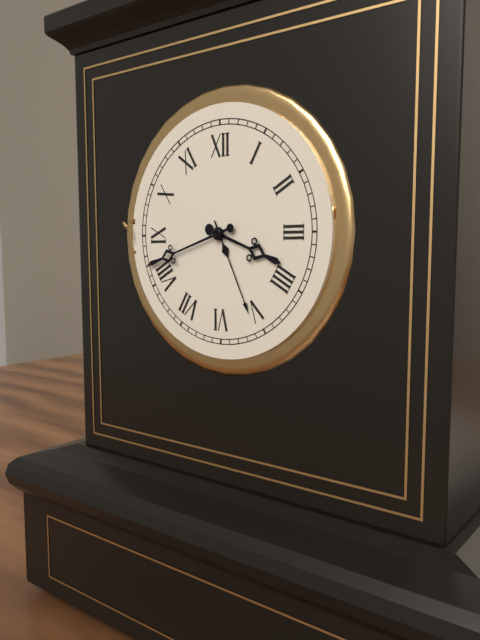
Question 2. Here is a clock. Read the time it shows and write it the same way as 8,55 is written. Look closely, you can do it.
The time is 3,42
